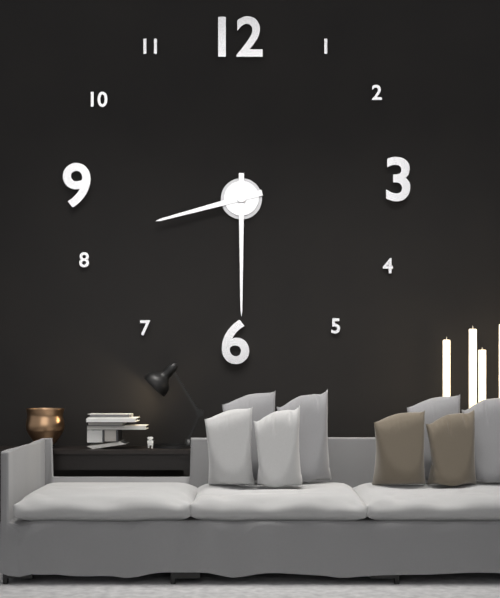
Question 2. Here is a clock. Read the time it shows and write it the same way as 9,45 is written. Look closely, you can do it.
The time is 8,30
